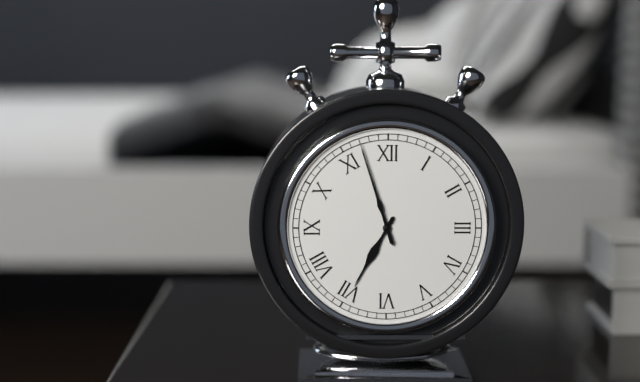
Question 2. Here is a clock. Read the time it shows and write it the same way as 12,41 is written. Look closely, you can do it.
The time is 6,57
